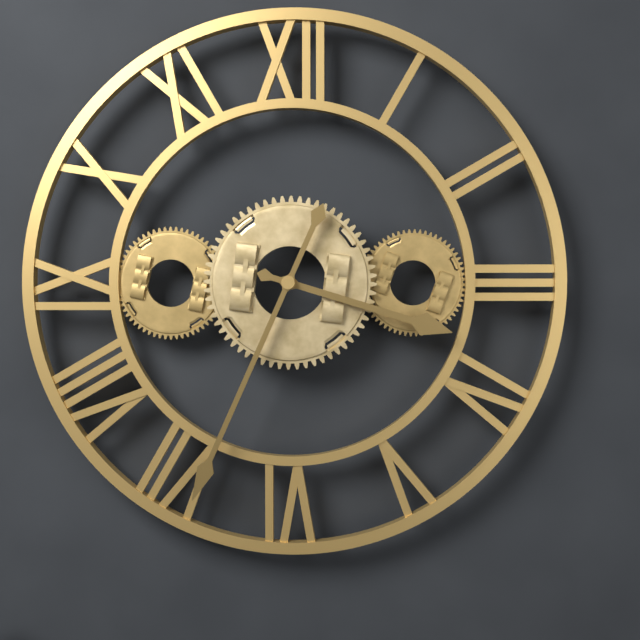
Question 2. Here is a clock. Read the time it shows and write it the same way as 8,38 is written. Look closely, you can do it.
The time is 3,34
